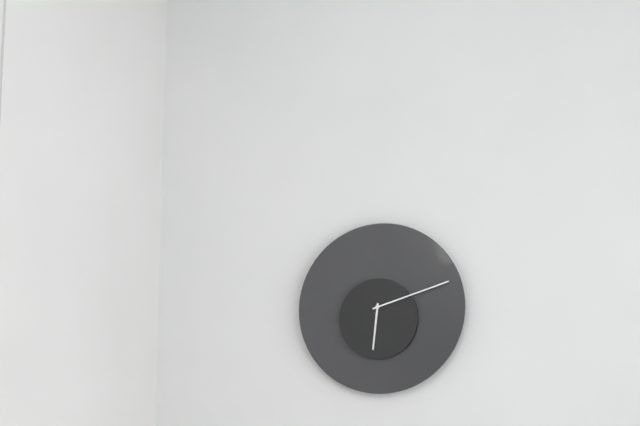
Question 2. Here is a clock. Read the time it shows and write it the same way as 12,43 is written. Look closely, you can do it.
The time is 6,12
